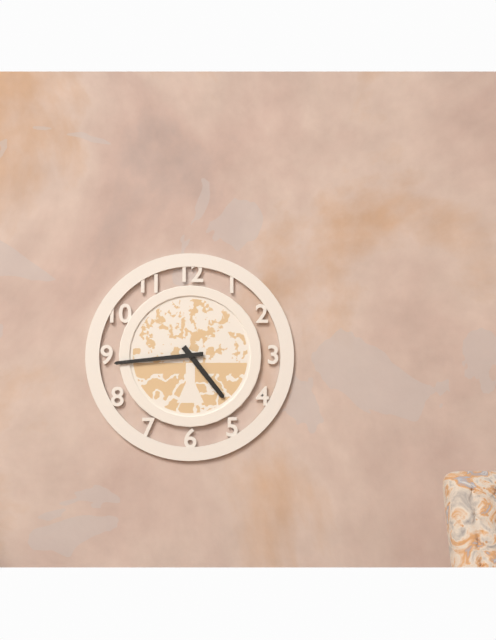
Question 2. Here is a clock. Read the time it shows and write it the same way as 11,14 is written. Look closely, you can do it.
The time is 4,44
